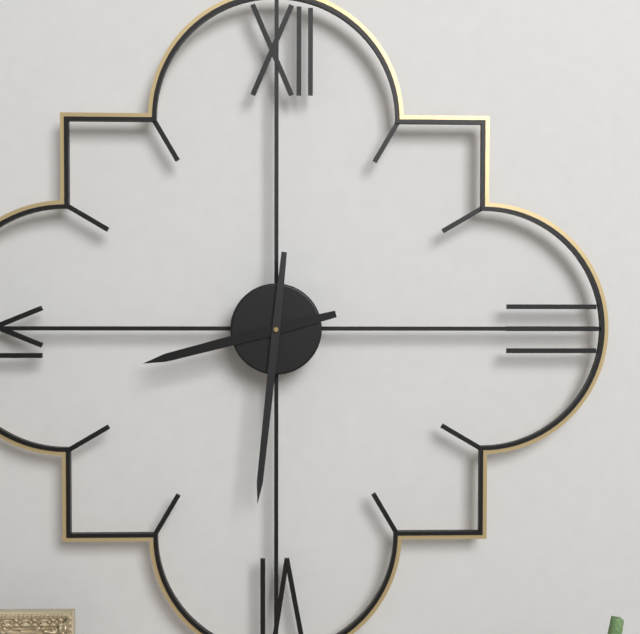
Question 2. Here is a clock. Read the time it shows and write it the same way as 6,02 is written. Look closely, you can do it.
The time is 8,31
